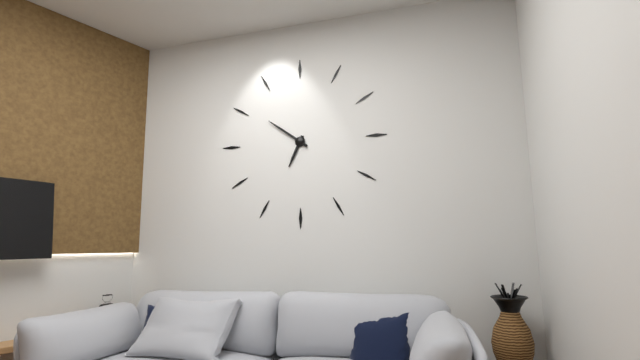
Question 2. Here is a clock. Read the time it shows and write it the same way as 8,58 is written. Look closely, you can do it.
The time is 6,51
